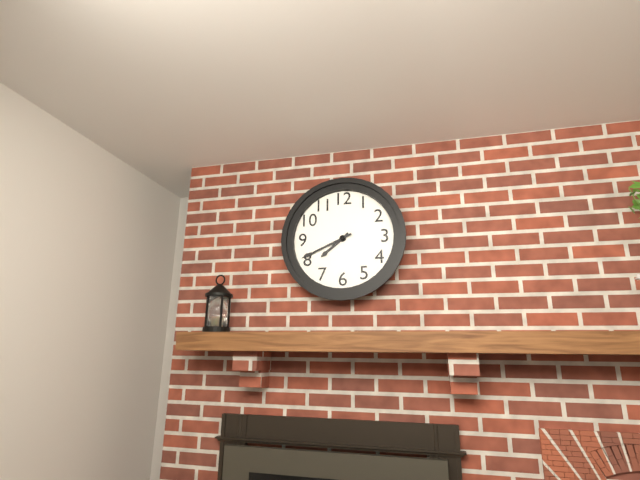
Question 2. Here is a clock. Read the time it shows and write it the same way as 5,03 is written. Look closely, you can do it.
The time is 7,41
